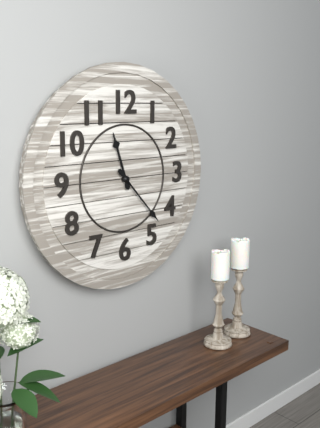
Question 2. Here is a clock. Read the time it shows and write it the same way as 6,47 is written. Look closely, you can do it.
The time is 11,23
